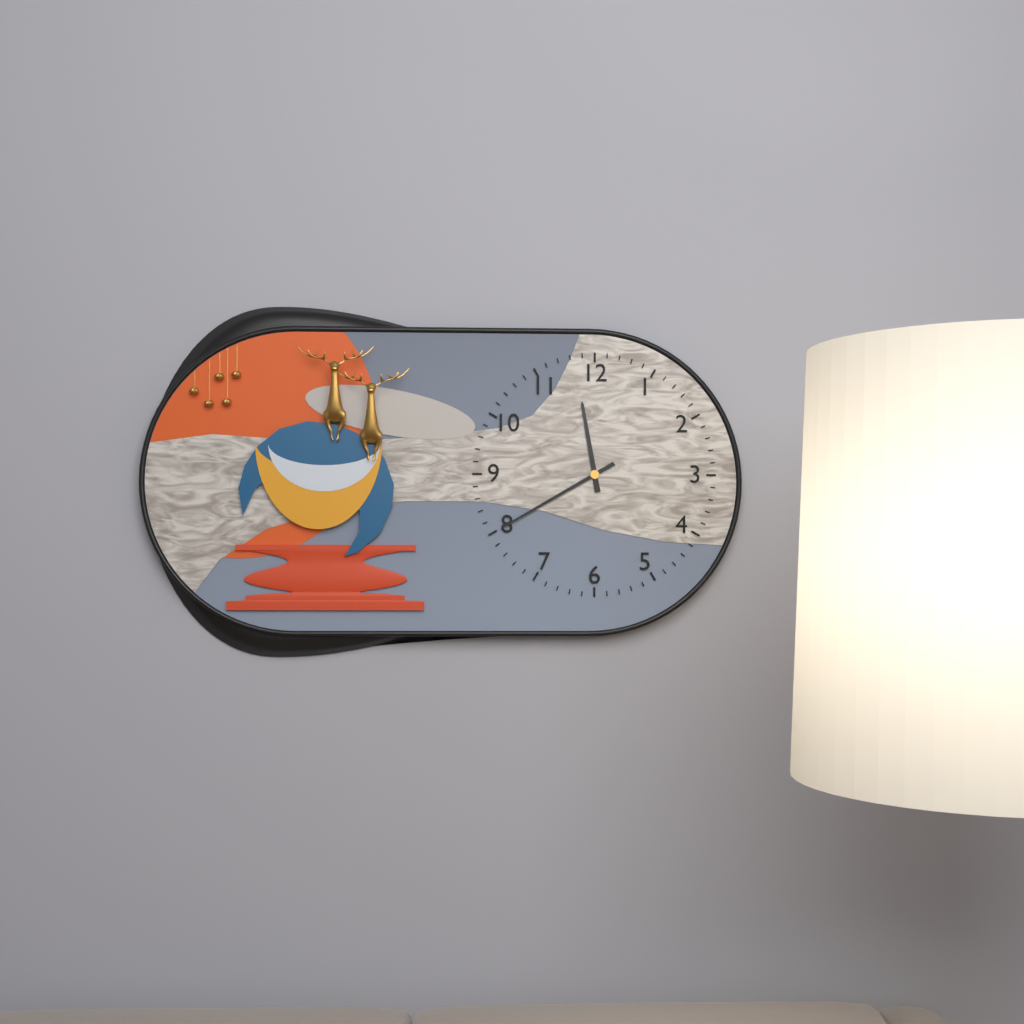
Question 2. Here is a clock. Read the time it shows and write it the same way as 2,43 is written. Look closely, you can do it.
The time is 11,40
